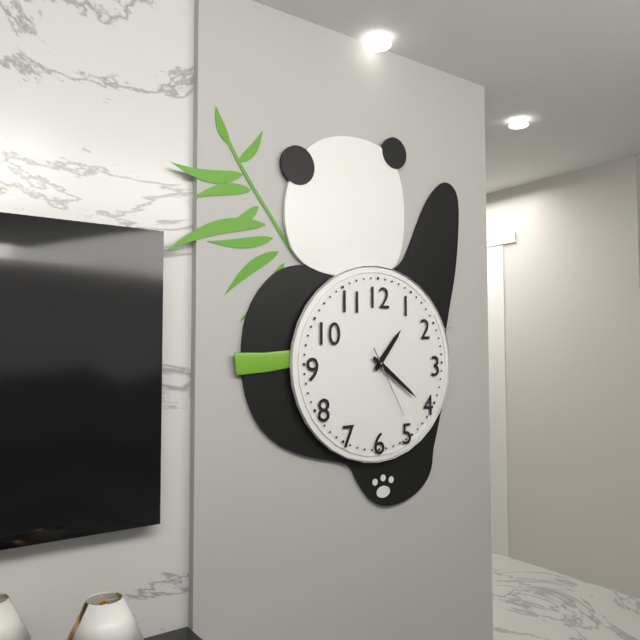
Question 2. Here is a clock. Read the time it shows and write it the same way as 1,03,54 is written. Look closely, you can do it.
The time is 1,21,25
